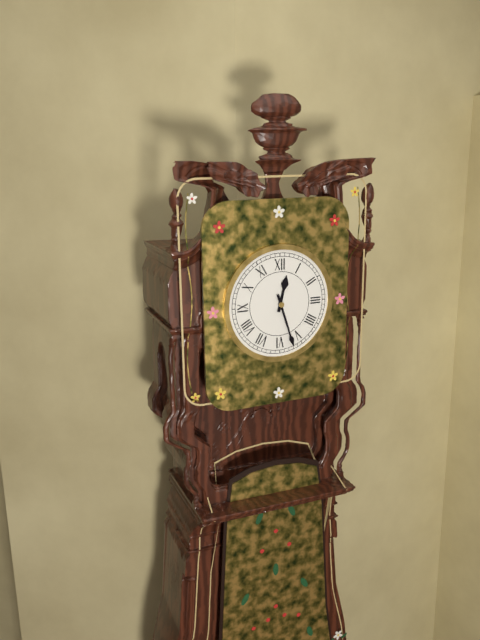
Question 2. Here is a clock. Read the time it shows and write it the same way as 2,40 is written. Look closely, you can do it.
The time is 12,27
